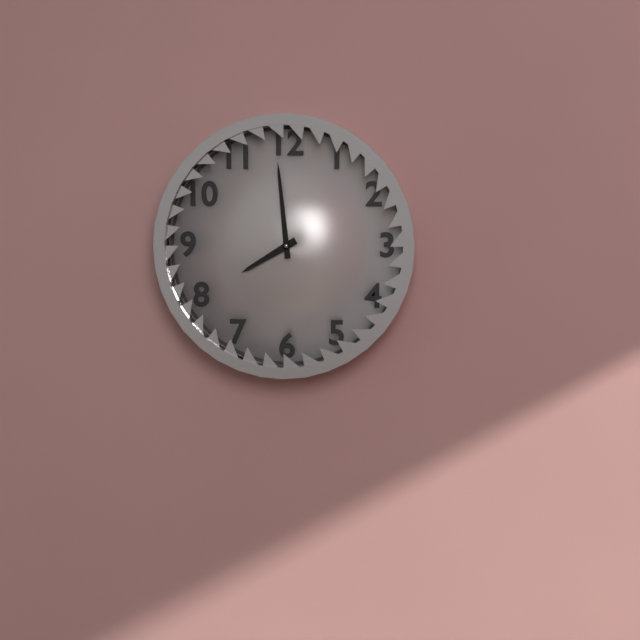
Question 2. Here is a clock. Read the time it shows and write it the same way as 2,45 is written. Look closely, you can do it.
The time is 7,59
